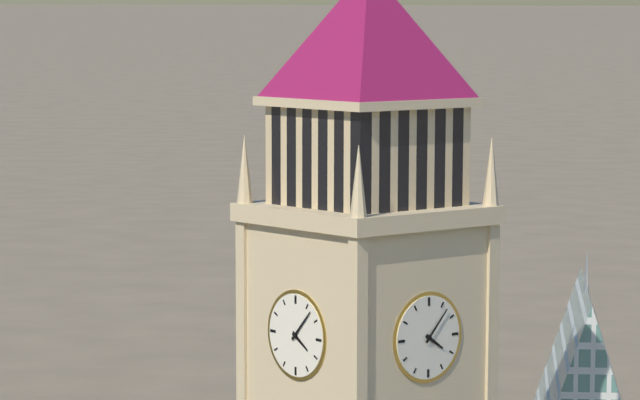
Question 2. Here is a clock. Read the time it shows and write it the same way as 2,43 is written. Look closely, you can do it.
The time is 4,07
